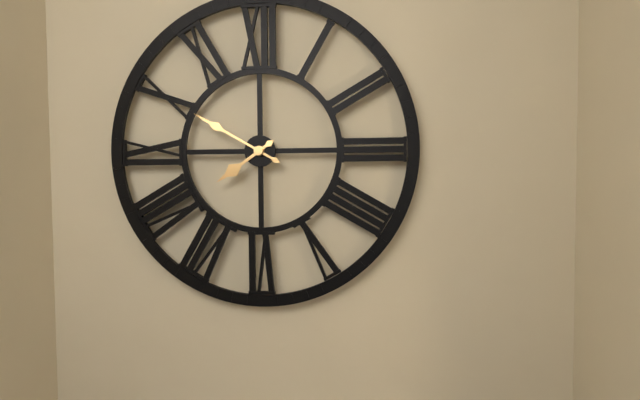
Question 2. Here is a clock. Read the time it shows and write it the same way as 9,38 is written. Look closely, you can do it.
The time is 7,50
